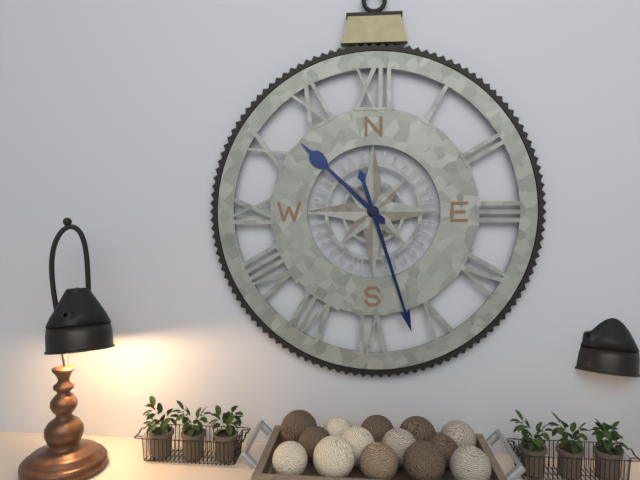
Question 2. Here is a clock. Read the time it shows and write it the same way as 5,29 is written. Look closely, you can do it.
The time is 10,27
